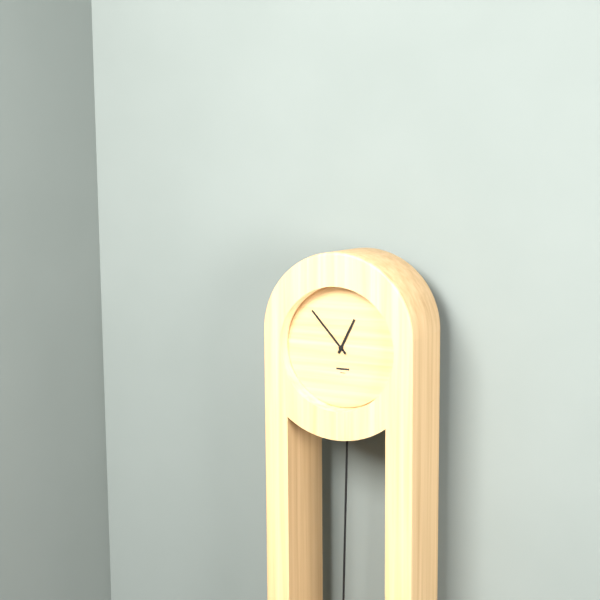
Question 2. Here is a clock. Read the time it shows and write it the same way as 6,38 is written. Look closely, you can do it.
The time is 12,53
